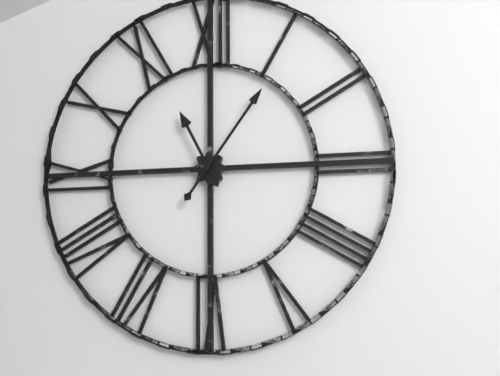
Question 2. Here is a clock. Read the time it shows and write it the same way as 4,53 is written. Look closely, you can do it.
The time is 11,06
